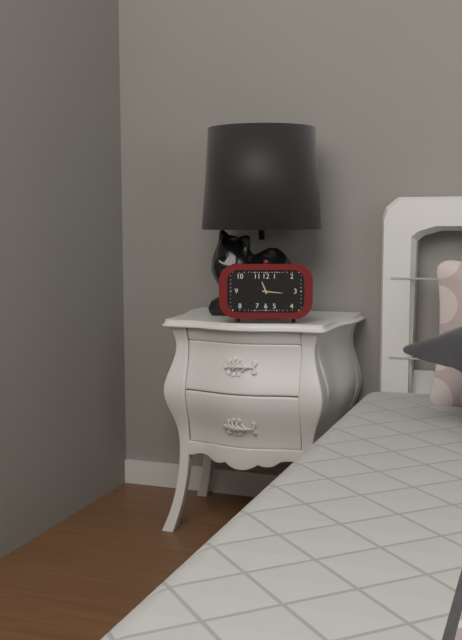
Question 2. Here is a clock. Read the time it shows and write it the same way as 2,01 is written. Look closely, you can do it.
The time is 11,16
